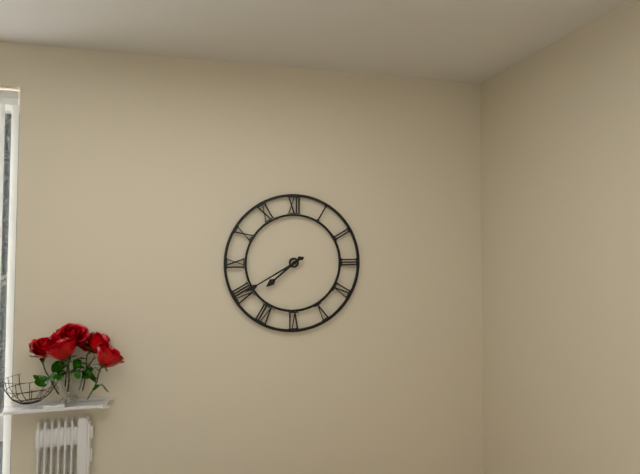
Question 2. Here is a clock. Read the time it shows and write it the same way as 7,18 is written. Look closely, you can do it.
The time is 7,40
